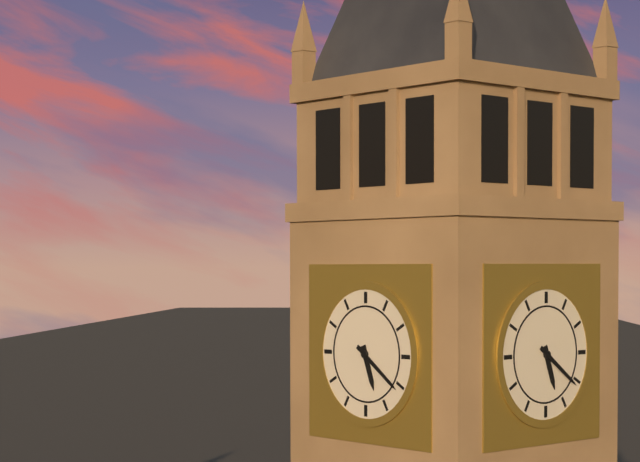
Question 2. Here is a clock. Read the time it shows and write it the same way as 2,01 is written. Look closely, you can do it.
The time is 5,21
